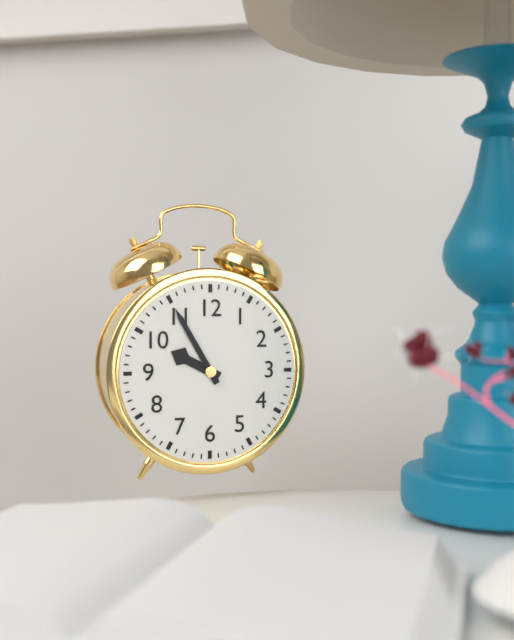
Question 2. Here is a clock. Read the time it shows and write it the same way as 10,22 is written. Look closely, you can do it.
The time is 9,55
